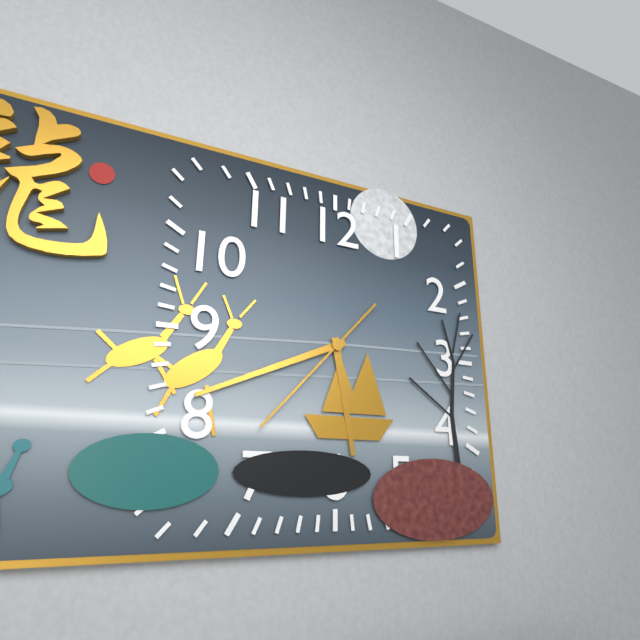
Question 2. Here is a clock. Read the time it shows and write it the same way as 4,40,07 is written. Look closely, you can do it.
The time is 5,41,37
